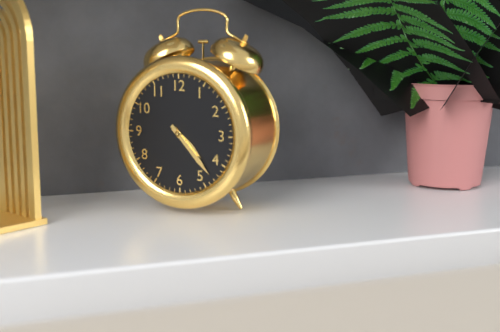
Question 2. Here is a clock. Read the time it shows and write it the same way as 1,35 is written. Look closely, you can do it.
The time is 4,23
